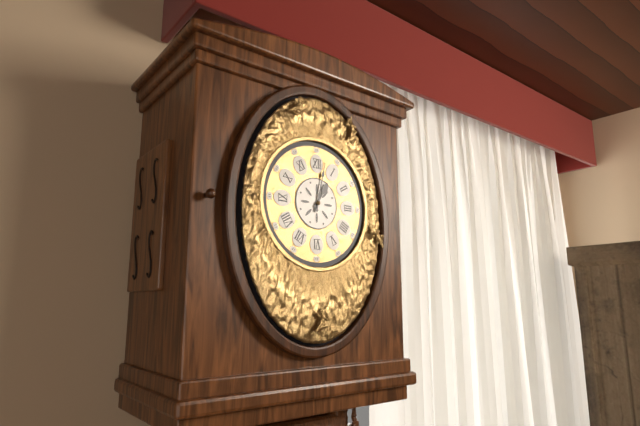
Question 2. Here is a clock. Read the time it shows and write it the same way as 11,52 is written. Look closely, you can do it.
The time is 1,02
